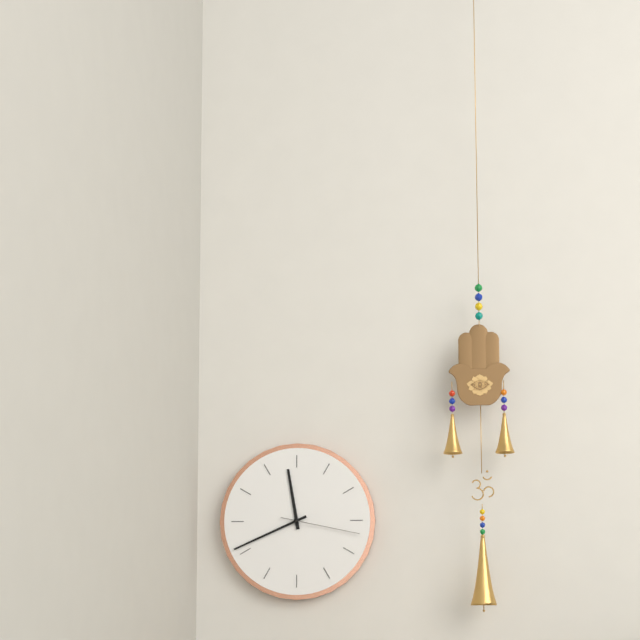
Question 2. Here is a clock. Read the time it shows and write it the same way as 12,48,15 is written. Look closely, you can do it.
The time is 11,41,17
